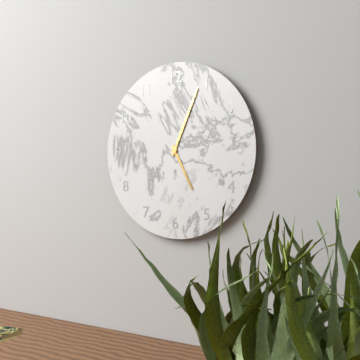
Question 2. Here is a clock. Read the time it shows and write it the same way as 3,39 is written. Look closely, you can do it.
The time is 5,04
